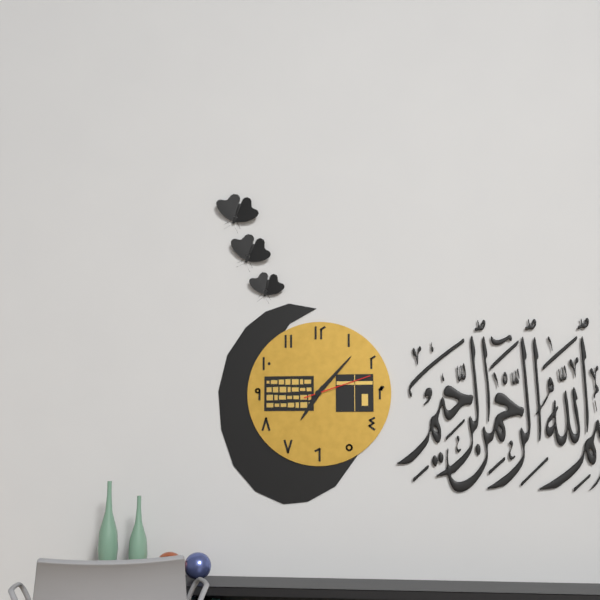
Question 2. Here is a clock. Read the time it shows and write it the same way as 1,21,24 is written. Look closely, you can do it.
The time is 7,07,12
